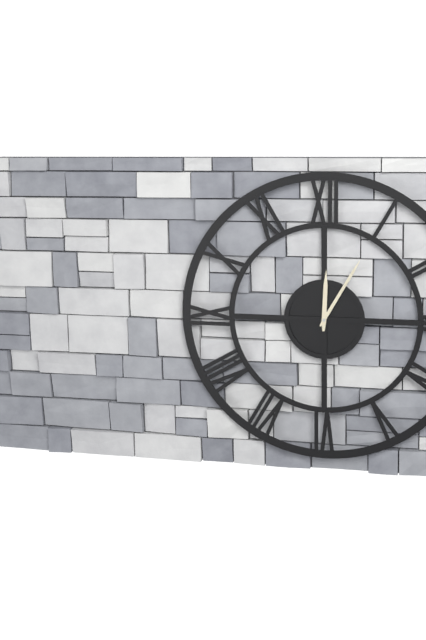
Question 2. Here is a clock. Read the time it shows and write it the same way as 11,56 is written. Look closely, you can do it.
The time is 12,05
